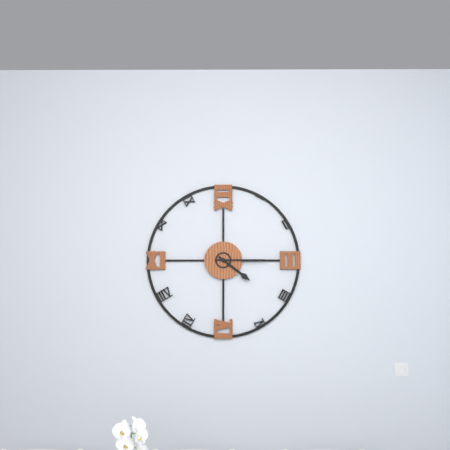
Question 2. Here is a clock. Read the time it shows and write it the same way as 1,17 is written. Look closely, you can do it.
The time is 4,15
